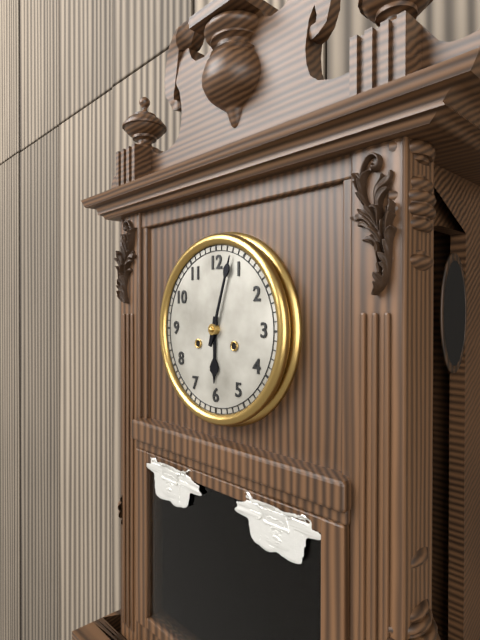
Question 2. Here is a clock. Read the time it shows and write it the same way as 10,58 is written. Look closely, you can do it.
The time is 6,03
